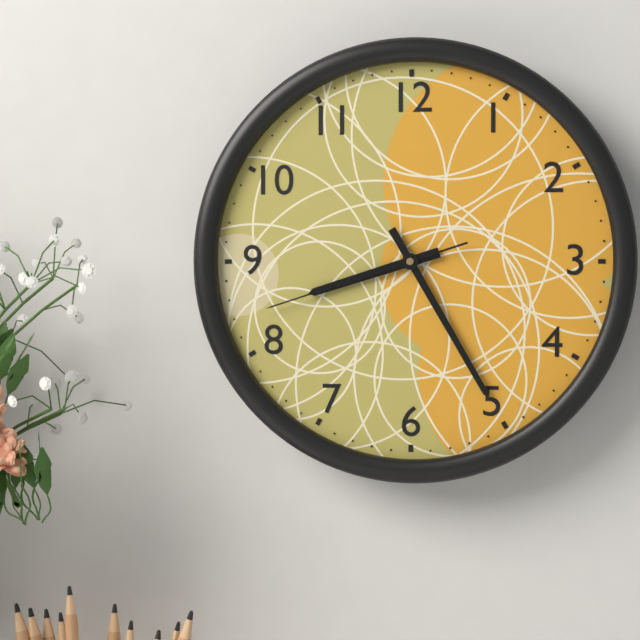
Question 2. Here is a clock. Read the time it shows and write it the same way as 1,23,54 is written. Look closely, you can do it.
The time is 8,25,42
